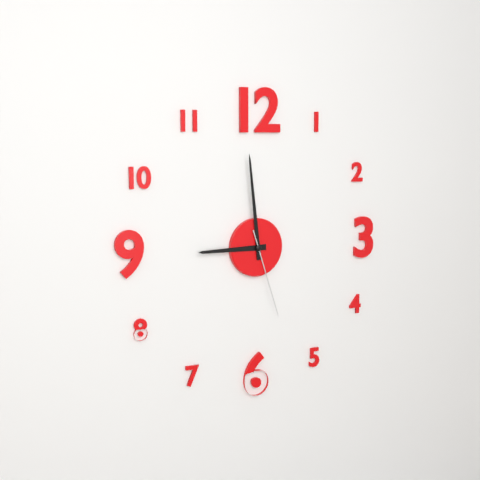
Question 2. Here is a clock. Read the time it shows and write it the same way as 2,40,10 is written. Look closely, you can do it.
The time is 8,59,27
